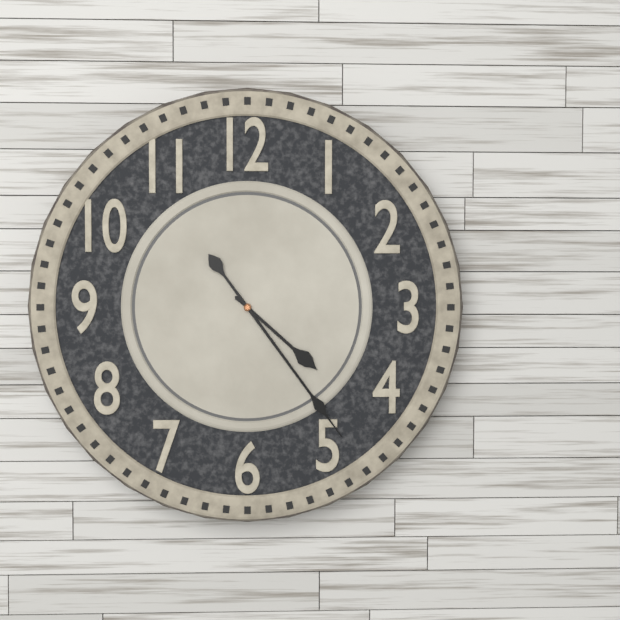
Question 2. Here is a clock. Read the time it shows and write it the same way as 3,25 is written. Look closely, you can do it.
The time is 4,24
